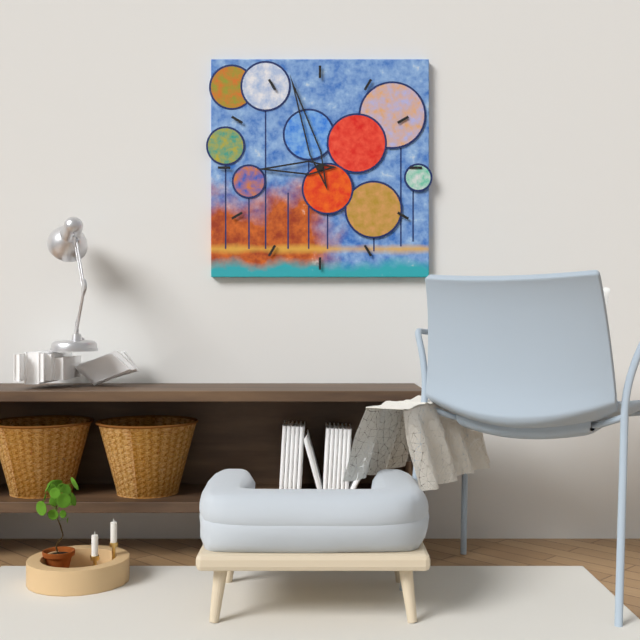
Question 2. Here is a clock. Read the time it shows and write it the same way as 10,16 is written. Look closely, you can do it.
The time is 8,57
